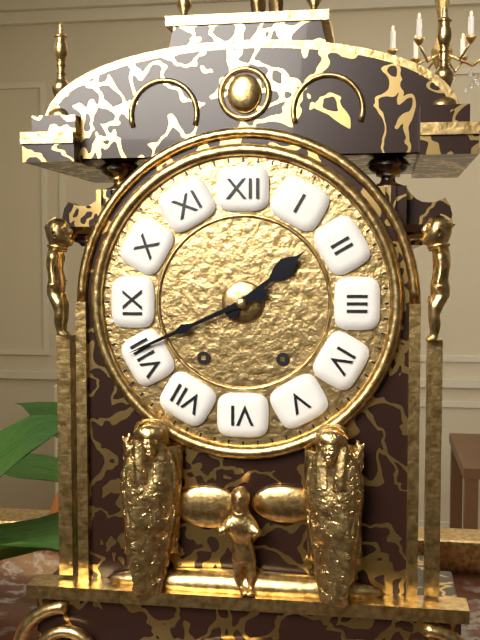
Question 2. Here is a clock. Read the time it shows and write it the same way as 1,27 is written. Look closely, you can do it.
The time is 1,41
